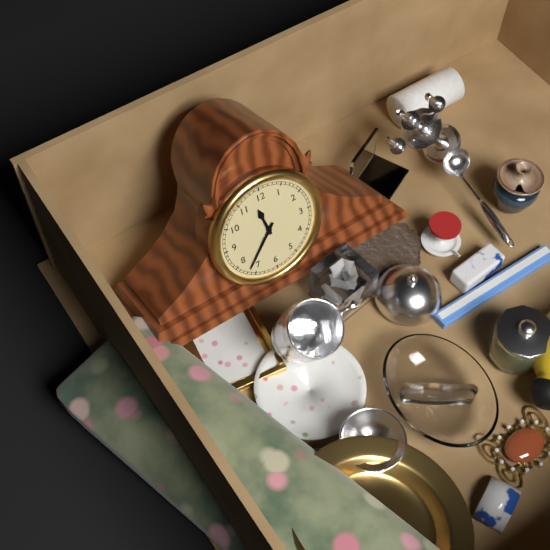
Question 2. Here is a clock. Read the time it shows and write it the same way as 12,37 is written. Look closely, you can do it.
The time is 11,37
